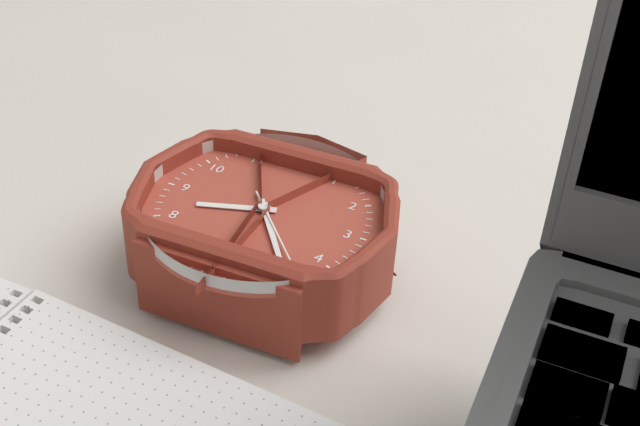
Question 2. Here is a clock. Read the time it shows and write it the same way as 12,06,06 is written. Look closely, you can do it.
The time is 8,24,23
